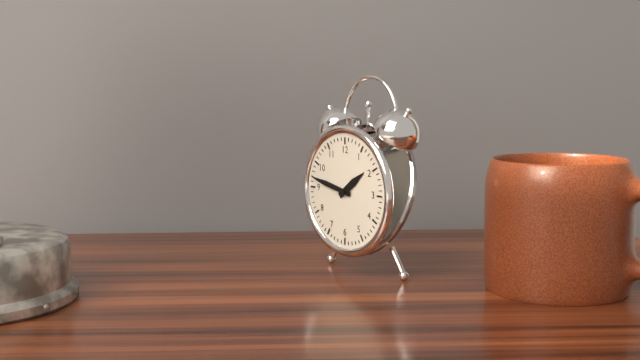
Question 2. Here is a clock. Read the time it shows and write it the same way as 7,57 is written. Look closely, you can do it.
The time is 1,47
